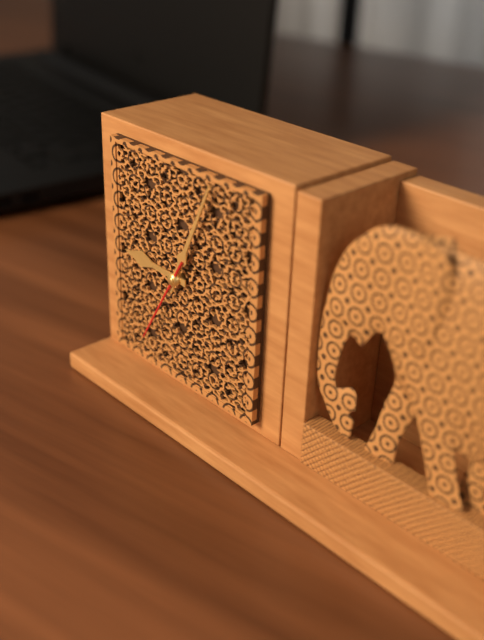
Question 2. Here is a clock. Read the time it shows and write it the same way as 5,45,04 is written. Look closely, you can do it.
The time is 9,04,35
